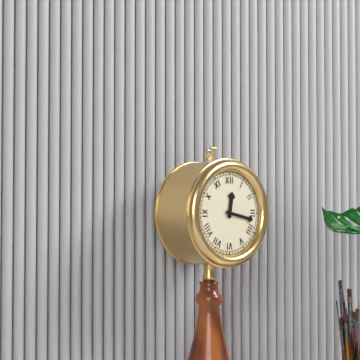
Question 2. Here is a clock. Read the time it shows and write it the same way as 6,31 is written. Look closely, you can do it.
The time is 12,17
